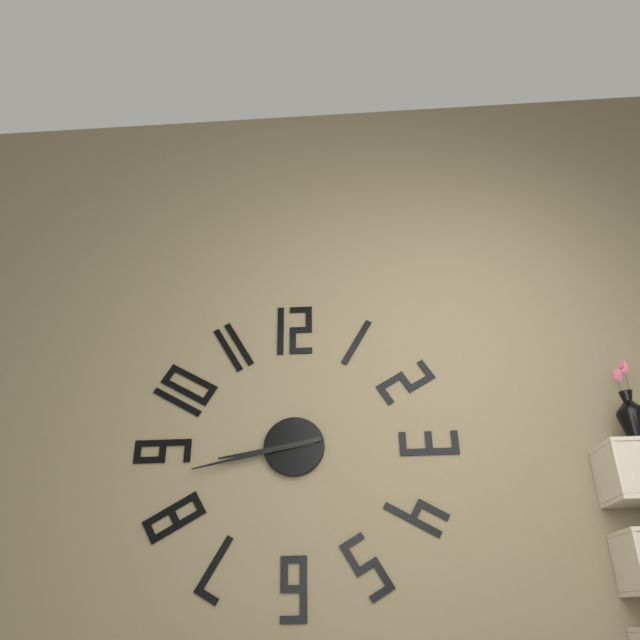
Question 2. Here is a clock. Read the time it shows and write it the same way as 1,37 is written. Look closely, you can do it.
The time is 8,43
